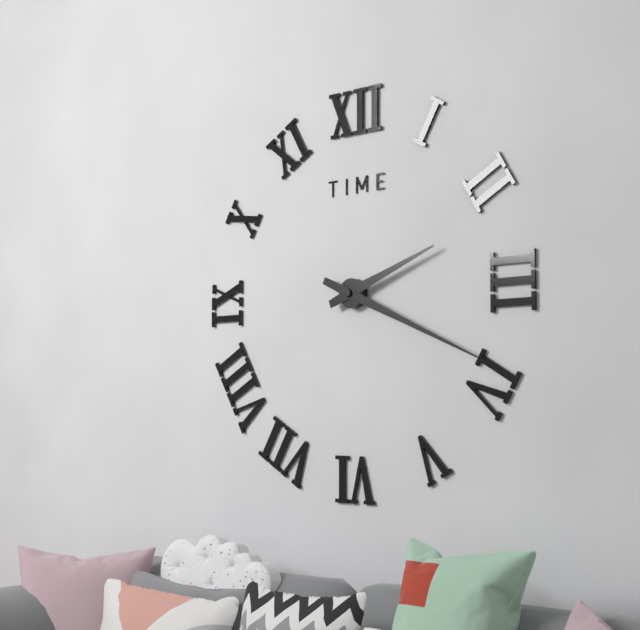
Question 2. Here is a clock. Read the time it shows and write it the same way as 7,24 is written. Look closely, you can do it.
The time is 2,19
